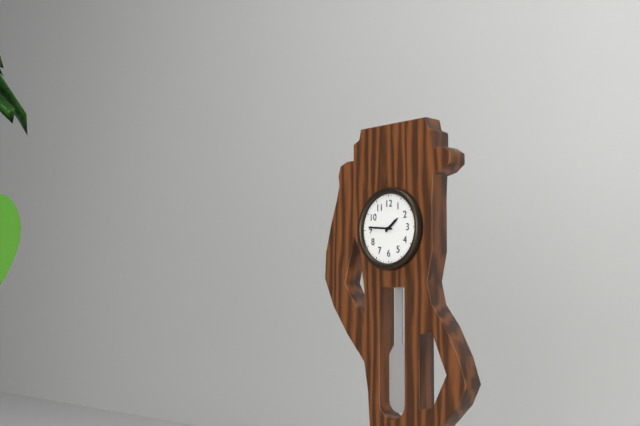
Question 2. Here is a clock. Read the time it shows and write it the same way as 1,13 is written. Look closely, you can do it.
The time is 1,46
